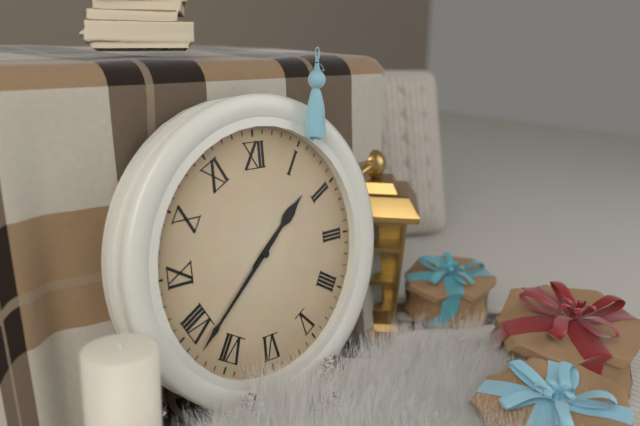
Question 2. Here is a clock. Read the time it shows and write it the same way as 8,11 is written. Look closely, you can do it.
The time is 1,38
